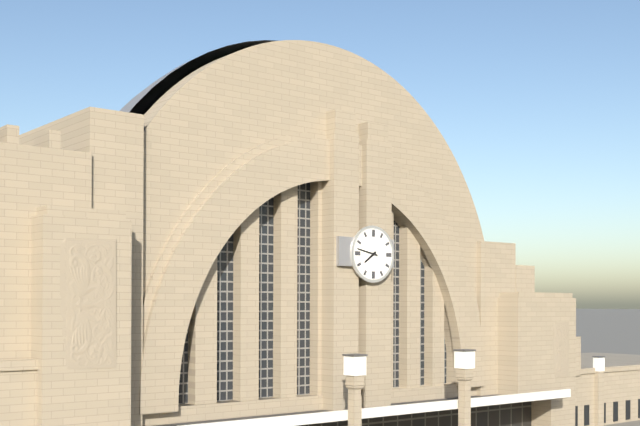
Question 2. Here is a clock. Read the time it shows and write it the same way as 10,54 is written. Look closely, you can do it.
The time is 7,47
